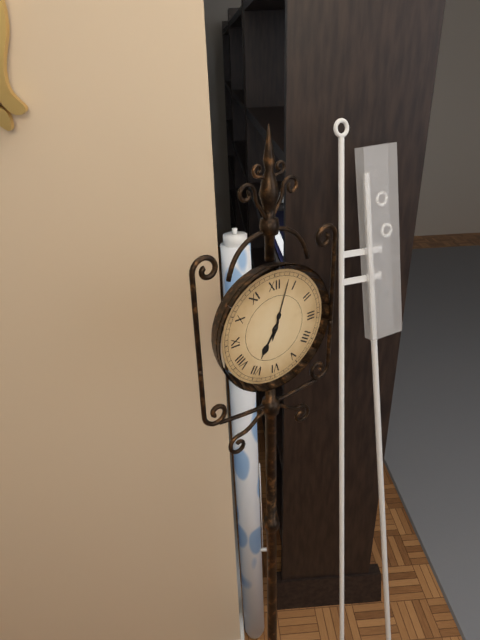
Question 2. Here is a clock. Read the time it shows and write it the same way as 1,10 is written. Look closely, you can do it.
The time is 7,03
